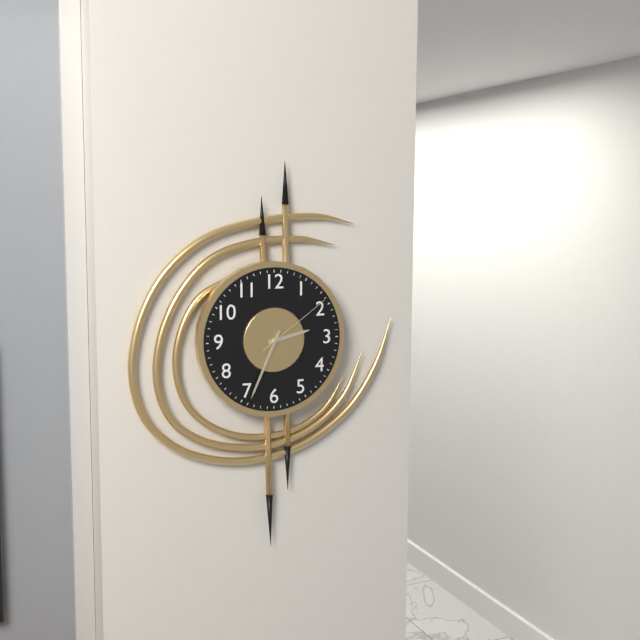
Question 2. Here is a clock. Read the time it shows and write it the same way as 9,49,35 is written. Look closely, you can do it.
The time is 2,34,09
